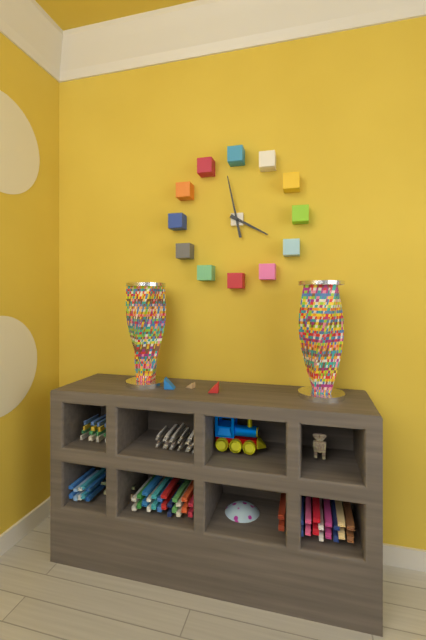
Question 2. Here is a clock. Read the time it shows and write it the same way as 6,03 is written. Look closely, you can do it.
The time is 3,58
